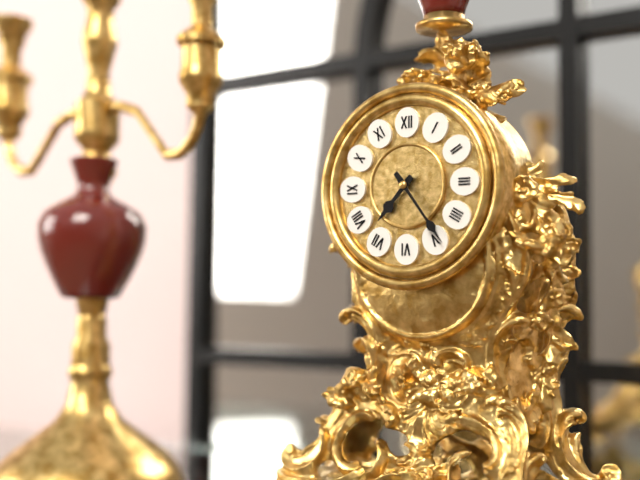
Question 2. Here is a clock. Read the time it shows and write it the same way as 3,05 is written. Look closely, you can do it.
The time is 7,24
